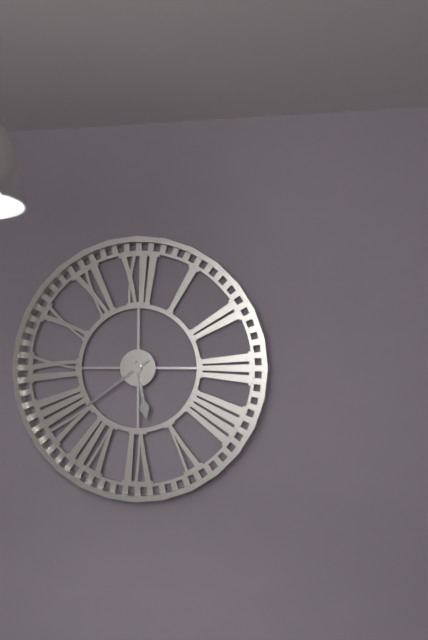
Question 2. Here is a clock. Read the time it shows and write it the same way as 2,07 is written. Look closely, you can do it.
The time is 5,39
